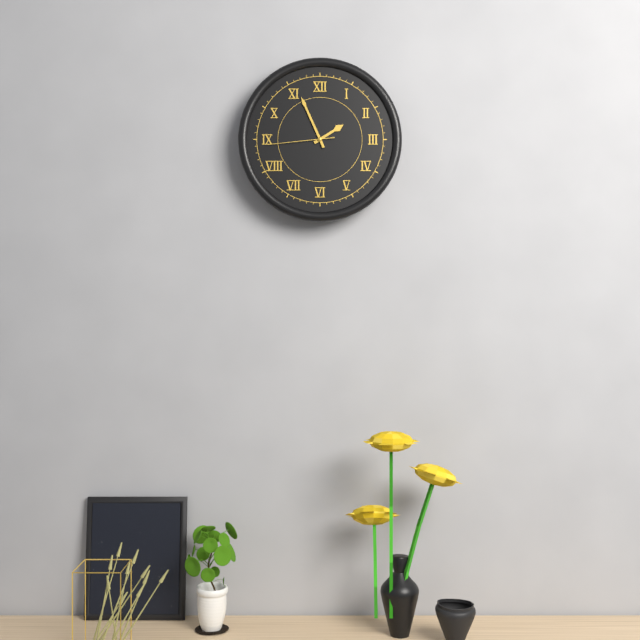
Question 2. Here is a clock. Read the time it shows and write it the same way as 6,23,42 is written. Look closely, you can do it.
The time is 1,56,44
